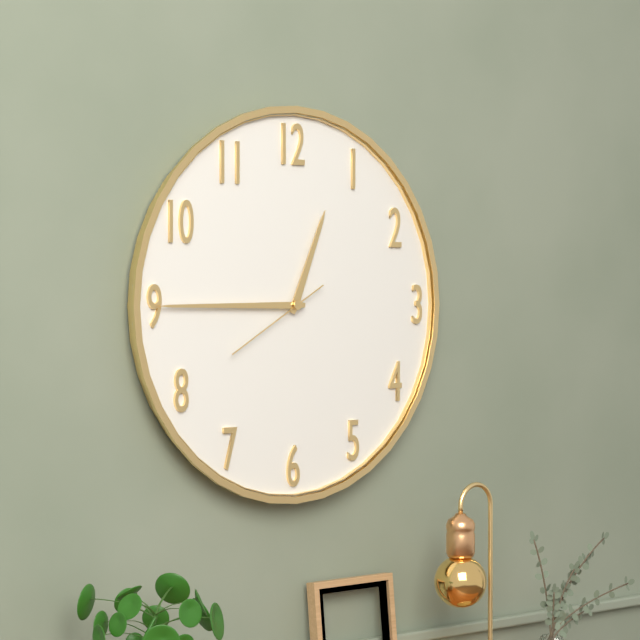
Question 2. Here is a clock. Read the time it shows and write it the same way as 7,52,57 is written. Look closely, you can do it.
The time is 12,45,40
